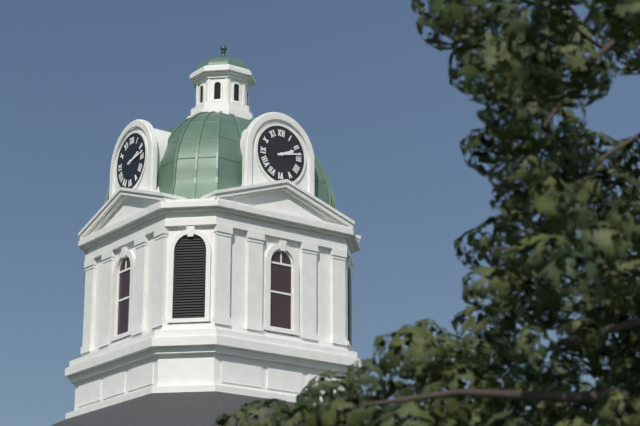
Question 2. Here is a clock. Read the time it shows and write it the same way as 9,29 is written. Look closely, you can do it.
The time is 2,13
